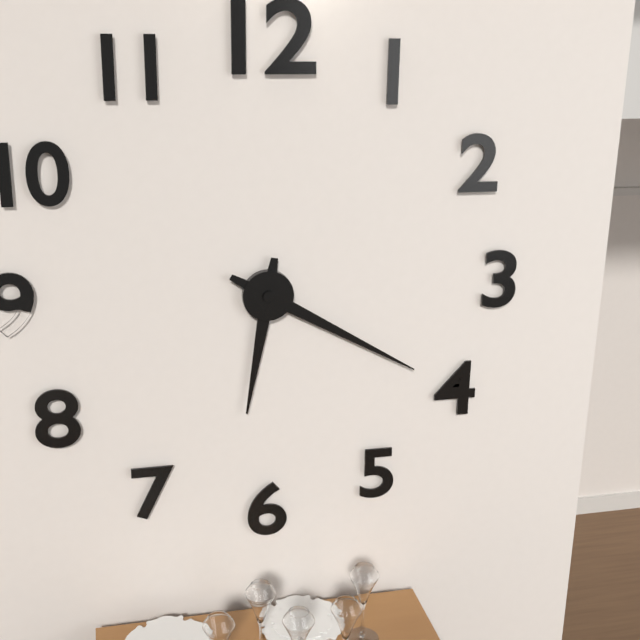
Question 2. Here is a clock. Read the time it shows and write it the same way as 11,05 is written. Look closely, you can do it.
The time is 6,20
